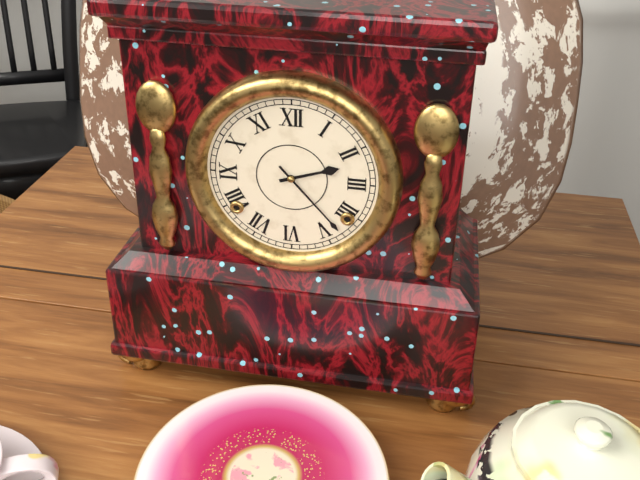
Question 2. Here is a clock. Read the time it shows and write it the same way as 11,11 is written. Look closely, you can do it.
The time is 2,23
